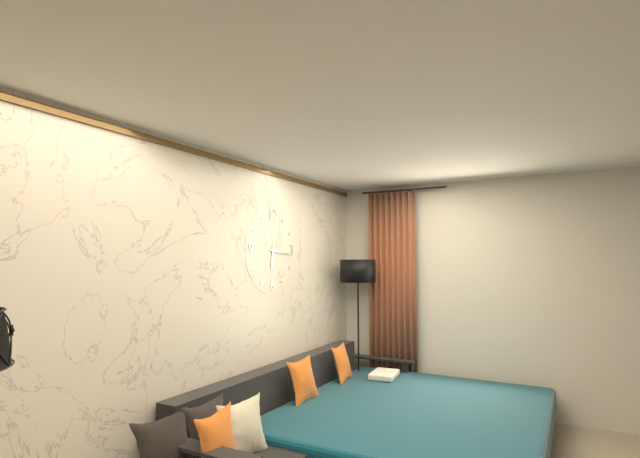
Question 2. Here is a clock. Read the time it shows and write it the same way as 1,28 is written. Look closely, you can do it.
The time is 6,16
